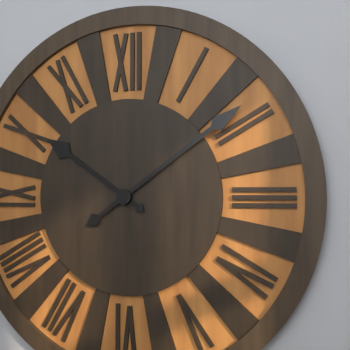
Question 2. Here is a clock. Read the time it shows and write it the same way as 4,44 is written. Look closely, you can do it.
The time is 10,09
